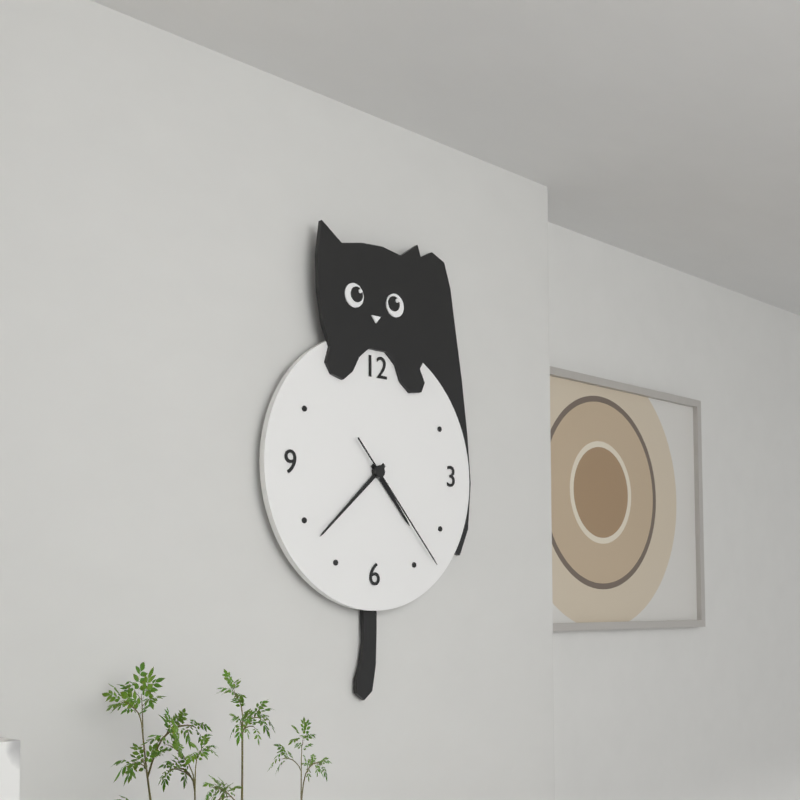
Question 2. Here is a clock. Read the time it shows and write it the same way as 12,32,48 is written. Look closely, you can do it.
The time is 4,38,23
